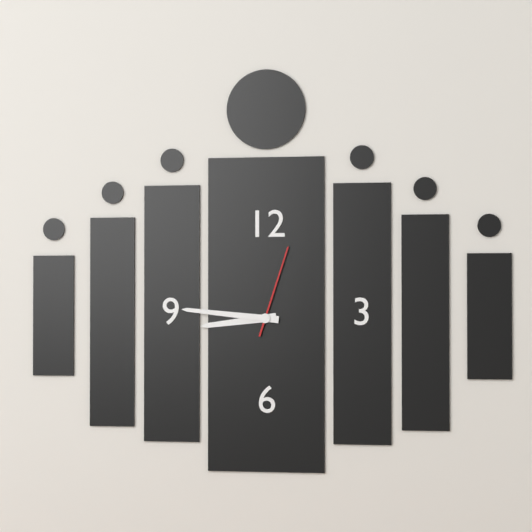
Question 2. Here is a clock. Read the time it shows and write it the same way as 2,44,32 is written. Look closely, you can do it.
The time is 8,46,03
